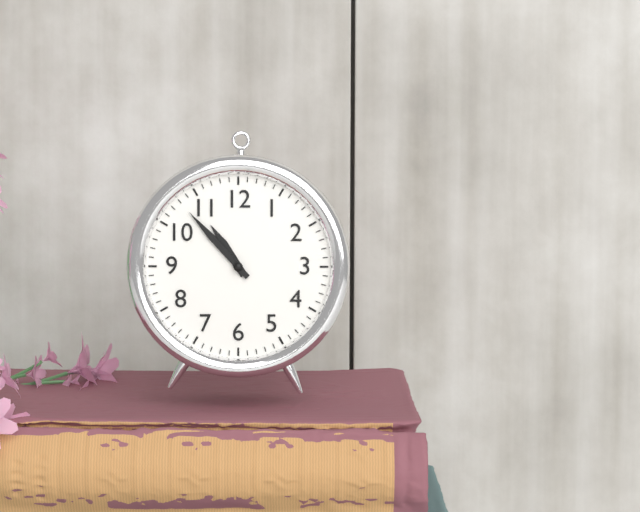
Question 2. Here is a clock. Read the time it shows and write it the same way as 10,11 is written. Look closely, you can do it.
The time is 10,53
